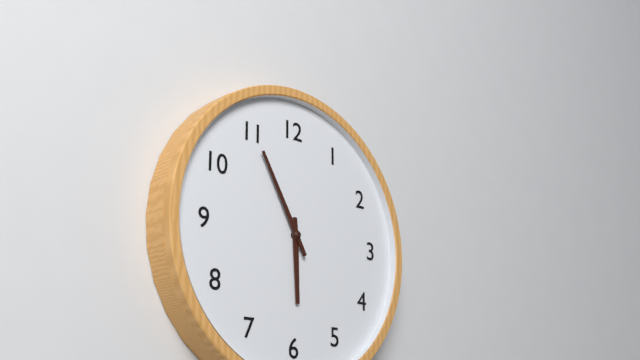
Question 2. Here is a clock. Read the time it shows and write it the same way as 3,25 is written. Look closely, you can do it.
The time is 5,55
